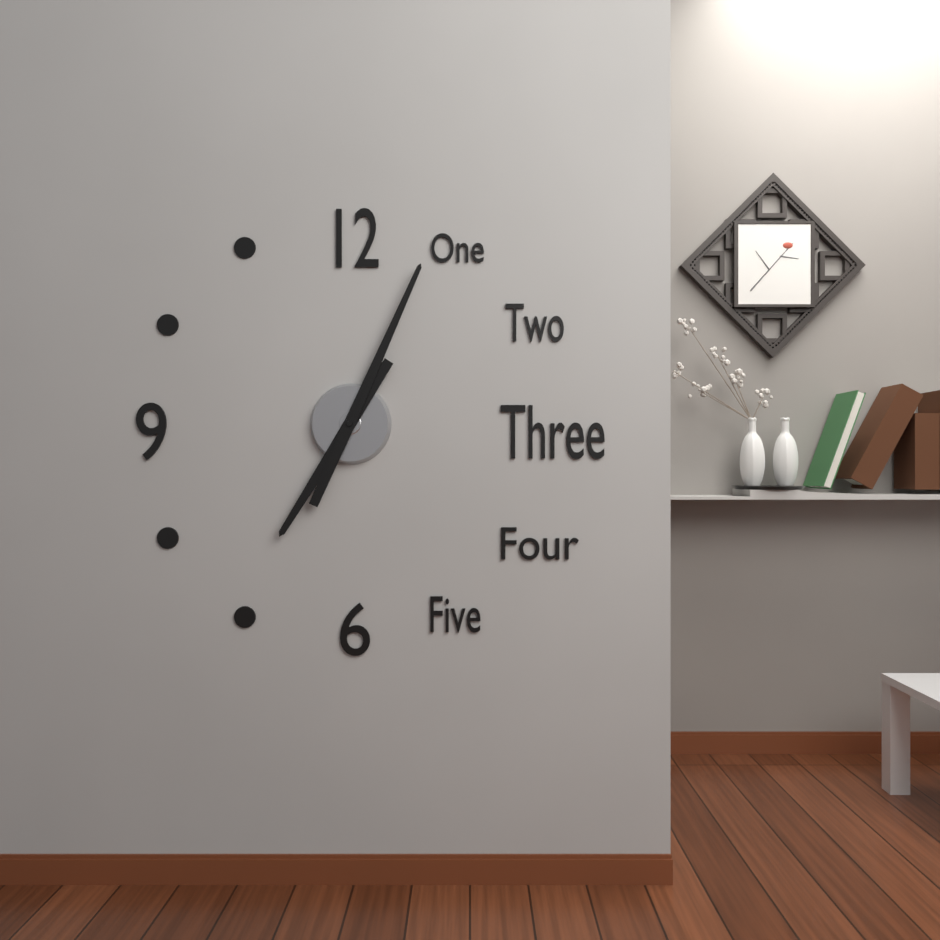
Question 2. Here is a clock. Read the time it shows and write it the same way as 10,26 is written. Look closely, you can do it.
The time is 7,04
